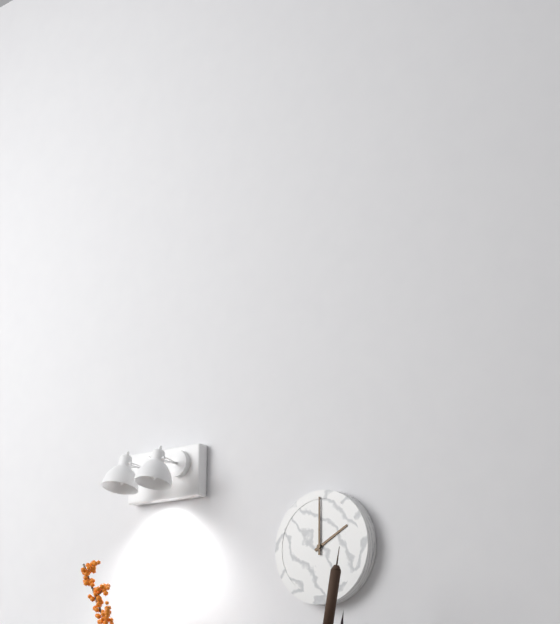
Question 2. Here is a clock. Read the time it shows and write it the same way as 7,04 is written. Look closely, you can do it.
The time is 2,00
